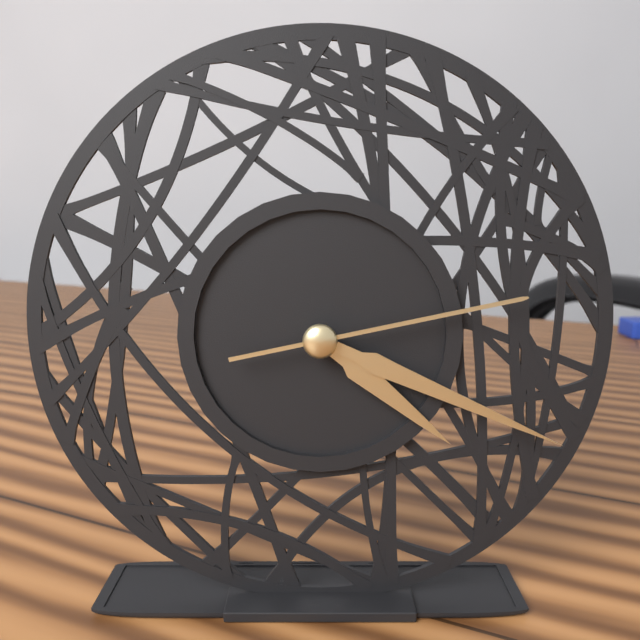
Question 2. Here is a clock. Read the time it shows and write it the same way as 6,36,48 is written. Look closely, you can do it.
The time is 4,19,13
